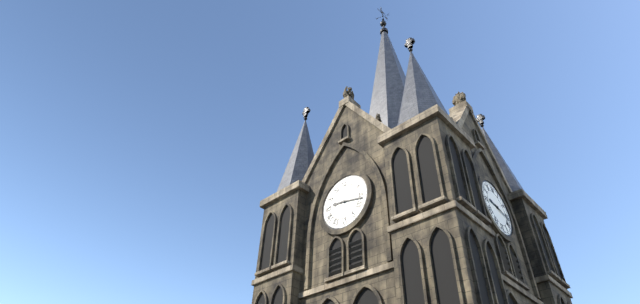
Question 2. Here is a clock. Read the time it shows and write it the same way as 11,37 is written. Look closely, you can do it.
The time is 9,17
